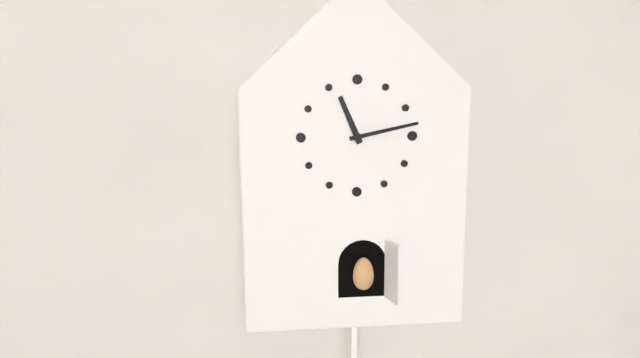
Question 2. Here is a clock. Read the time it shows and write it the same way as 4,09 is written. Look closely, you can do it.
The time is 11,13
